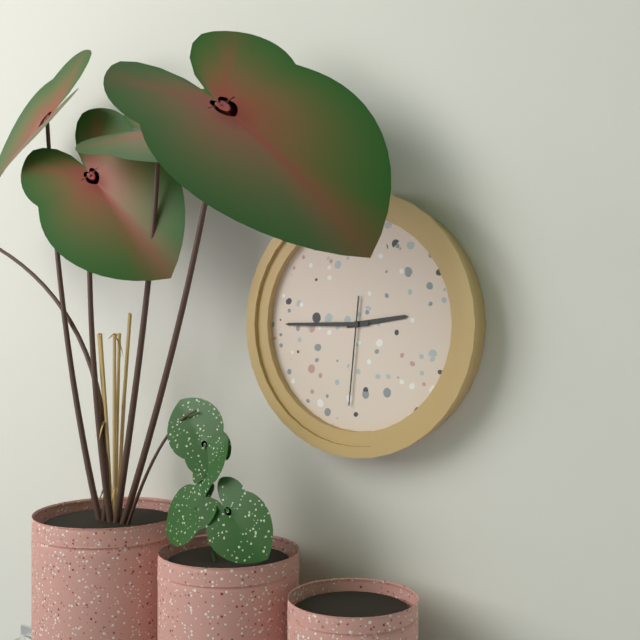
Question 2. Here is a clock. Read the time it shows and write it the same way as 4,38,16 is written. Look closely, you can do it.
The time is 2,45,31
